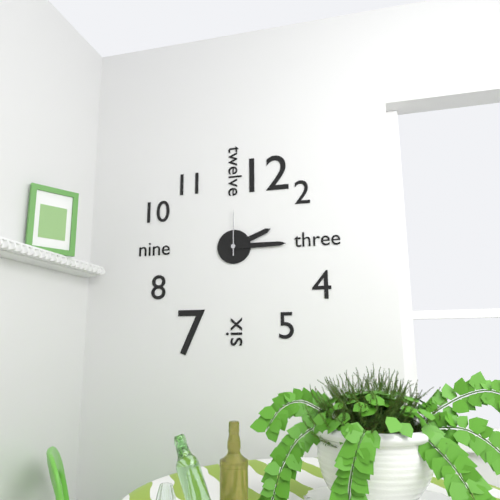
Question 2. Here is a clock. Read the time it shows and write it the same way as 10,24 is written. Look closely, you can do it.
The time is 2,15
